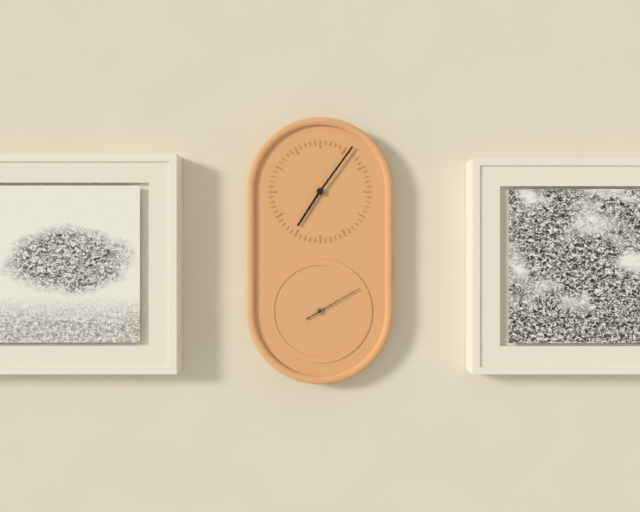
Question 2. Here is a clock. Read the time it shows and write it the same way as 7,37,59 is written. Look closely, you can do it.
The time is 7,06,10
